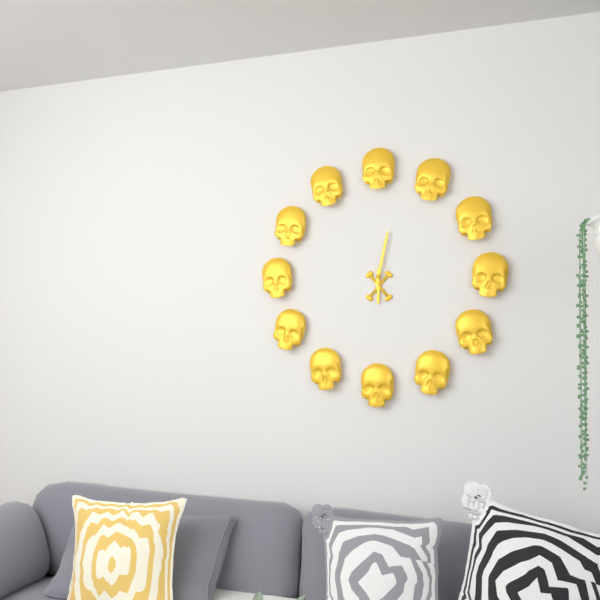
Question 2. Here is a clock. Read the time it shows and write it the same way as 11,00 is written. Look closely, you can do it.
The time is 6,02
